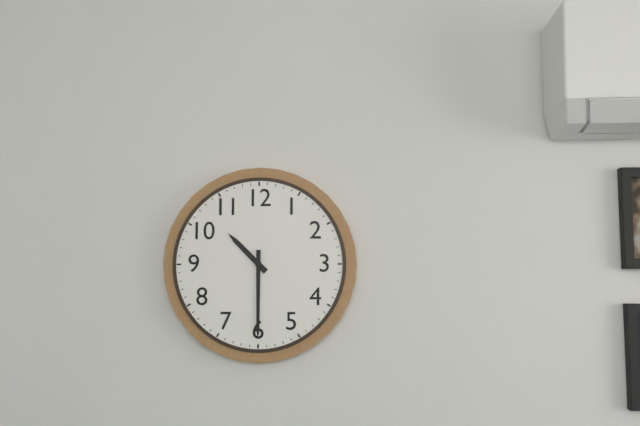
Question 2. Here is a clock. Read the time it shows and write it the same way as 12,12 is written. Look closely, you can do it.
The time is 10,30
